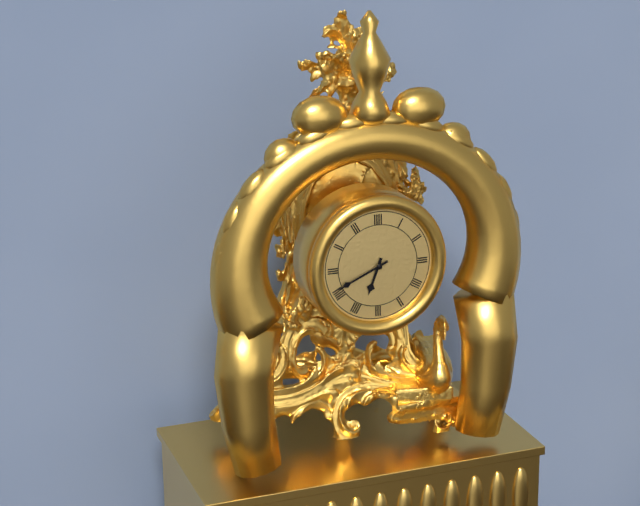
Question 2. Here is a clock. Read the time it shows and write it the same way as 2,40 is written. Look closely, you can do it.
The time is 6,41
